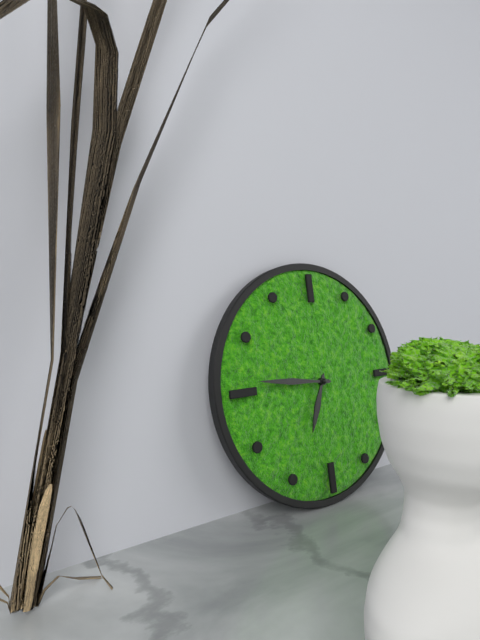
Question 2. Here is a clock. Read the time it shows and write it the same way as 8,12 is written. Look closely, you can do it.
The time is 6,46
